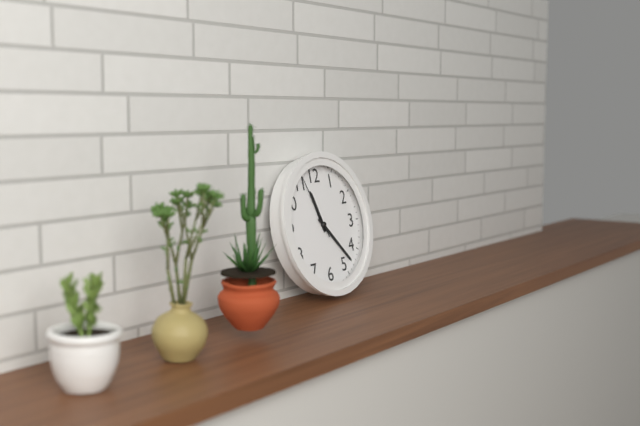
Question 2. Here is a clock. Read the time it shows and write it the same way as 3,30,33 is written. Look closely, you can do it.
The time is 11,23,56
